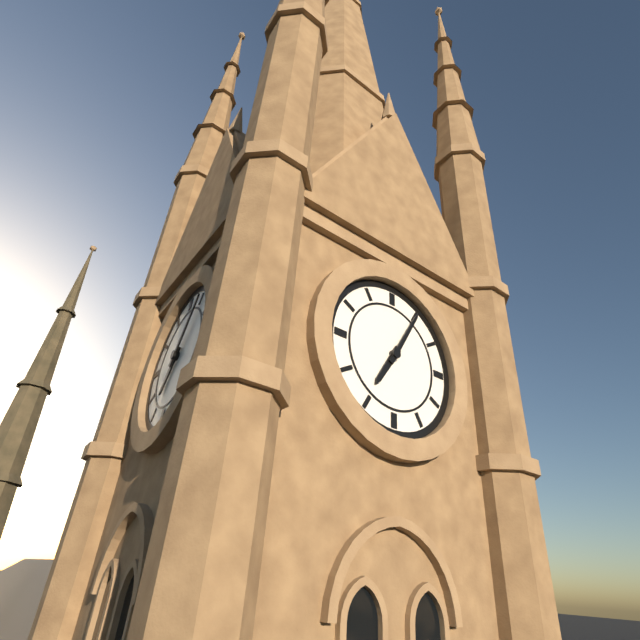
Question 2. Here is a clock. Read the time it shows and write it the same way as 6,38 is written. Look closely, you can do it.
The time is 7,05
